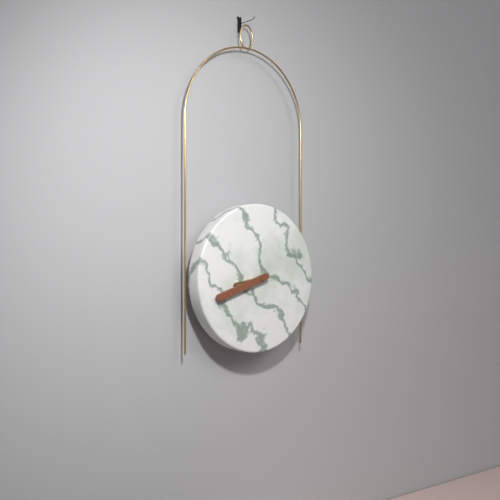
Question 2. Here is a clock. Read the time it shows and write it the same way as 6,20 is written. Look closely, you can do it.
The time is 8,42
